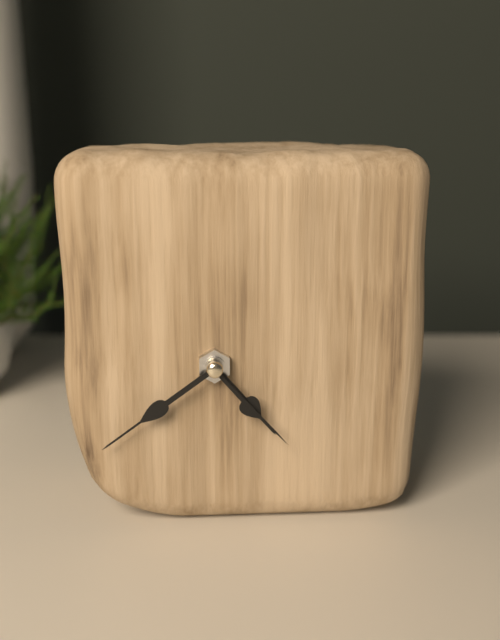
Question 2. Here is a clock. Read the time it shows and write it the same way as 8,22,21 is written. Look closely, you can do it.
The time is 4,39,23
